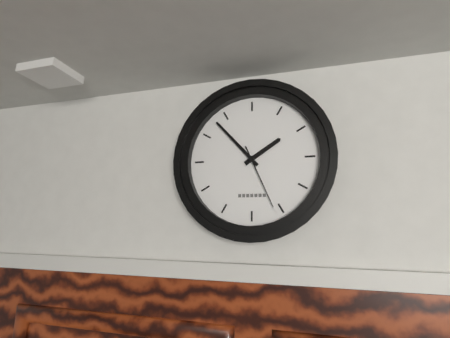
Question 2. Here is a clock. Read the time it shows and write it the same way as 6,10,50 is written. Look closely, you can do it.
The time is 1,53,26
